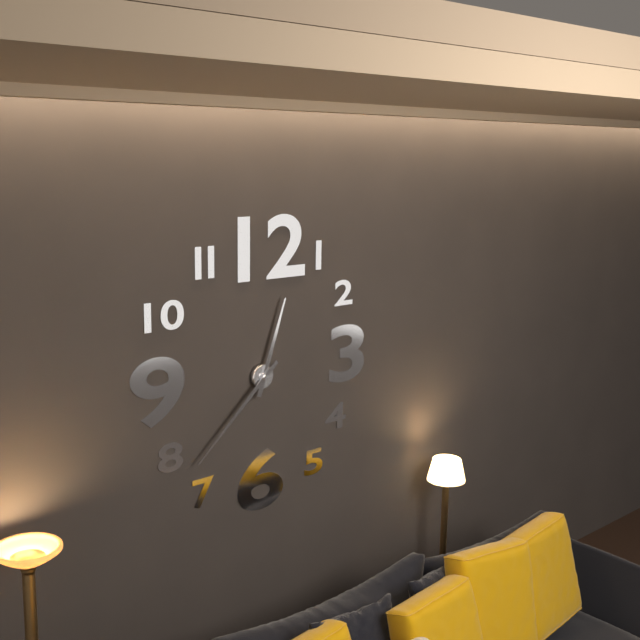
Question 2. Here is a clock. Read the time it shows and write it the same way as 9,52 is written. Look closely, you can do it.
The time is 12,38
